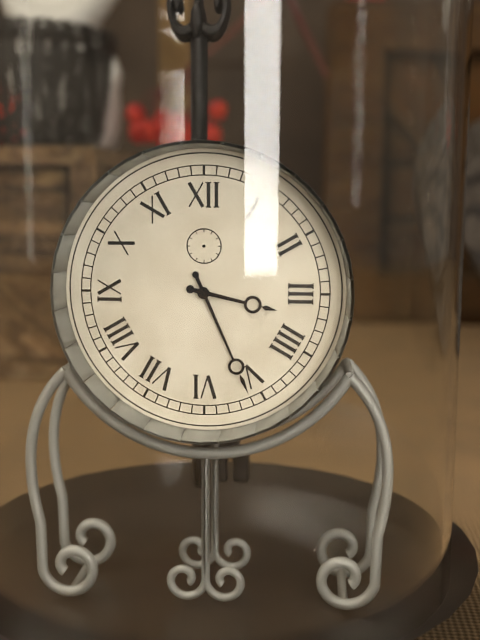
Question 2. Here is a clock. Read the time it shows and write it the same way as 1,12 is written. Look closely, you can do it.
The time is 3,26
